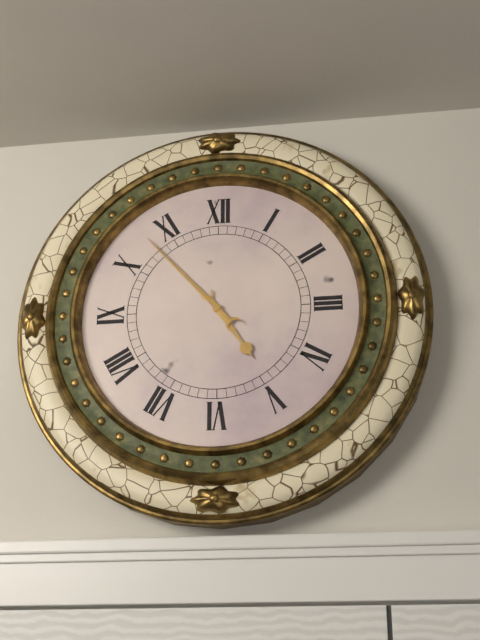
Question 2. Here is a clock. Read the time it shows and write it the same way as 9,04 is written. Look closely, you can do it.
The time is 4,53
